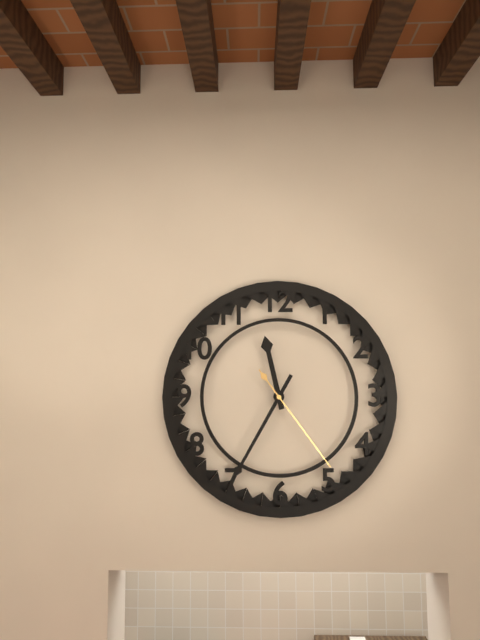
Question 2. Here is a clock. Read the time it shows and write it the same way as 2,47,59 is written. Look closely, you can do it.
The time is 11,35,24
